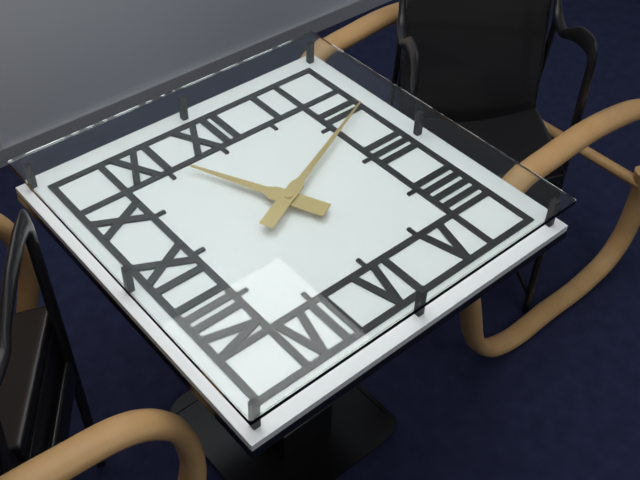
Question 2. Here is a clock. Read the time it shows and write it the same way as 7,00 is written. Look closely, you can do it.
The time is 11,11
